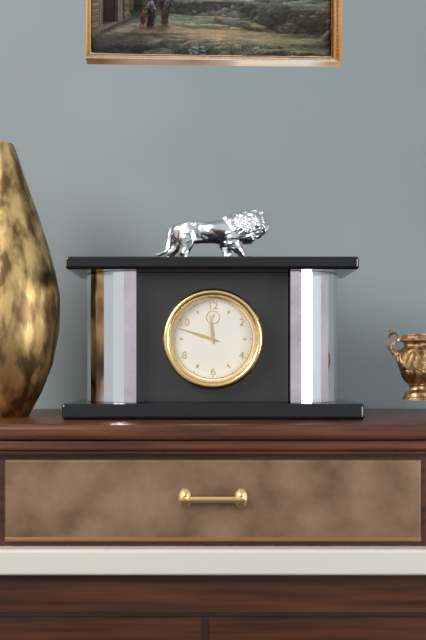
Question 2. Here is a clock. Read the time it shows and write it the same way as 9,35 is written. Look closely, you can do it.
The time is 11,48
